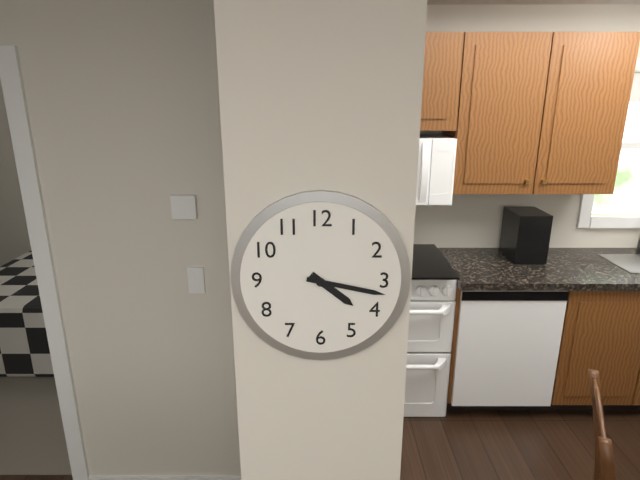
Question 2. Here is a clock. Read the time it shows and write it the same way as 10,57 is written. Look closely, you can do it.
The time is 4,17
